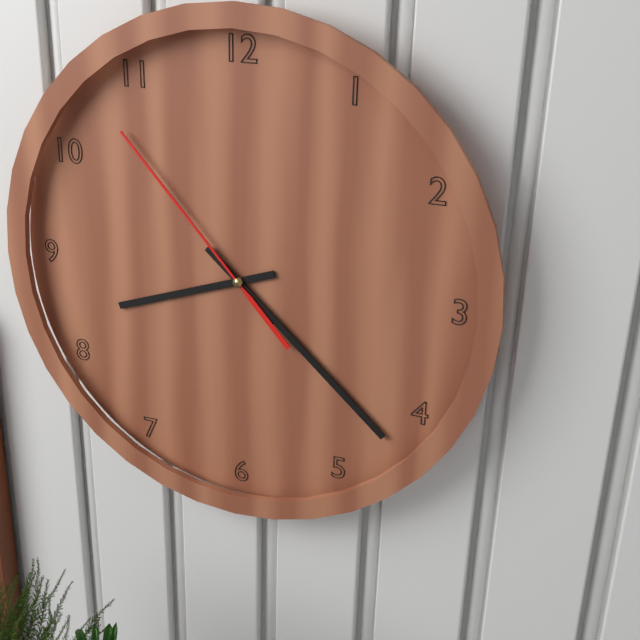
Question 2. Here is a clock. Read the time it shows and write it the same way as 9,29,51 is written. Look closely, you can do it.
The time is 8,22,53
